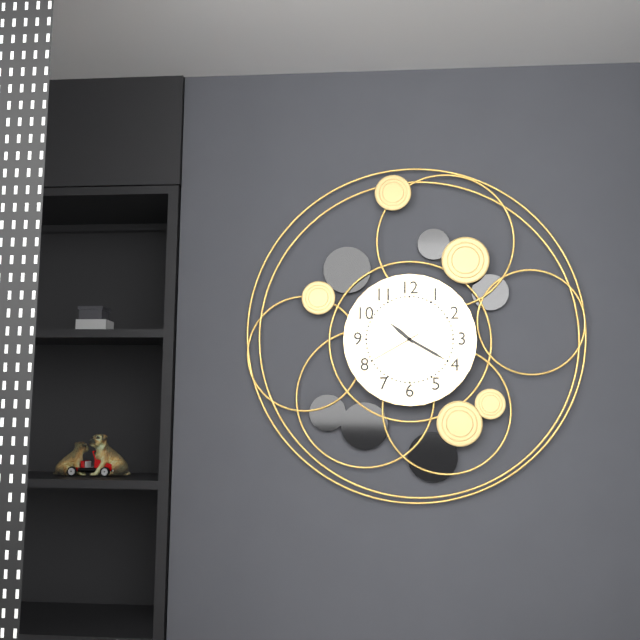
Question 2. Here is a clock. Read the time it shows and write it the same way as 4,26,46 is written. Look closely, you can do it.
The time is 10,20,40
